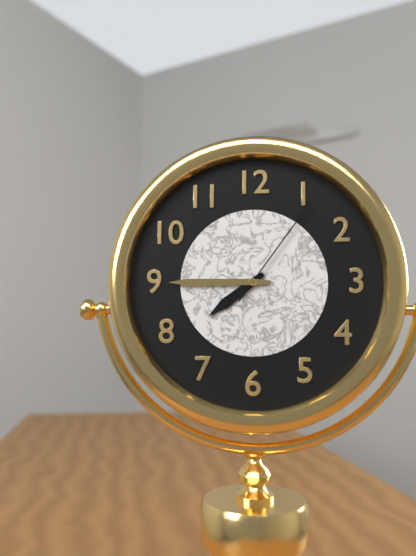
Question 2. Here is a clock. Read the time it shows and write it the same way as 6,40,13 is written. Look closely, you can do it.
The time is 7,45,06
